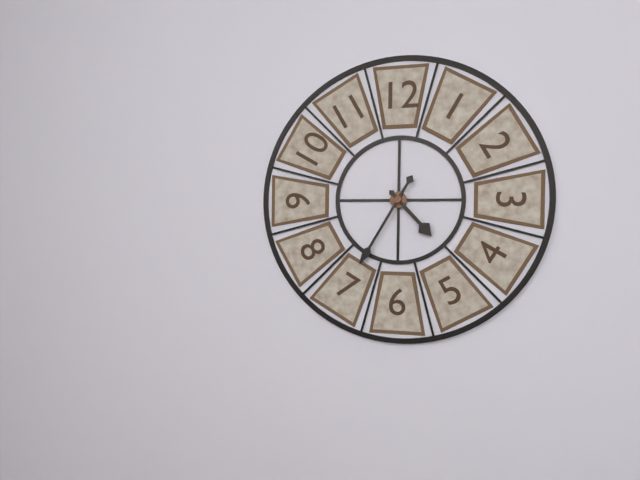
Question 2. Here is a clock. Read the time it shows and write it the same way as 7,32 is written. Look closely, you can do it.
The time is 4,35
